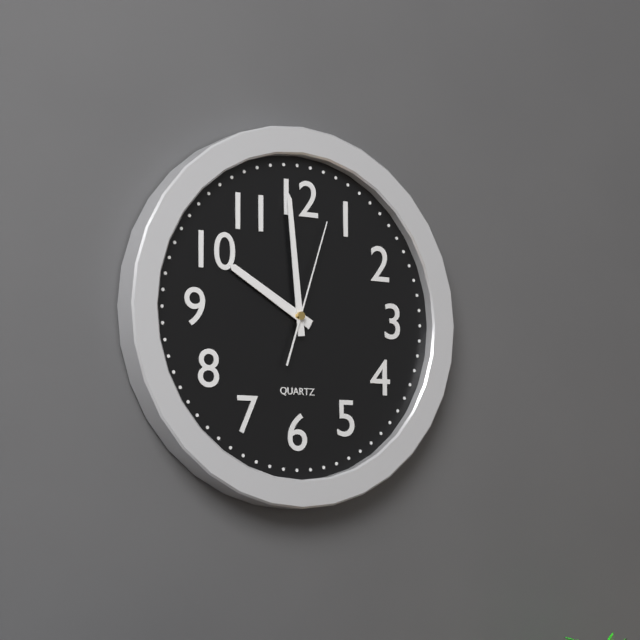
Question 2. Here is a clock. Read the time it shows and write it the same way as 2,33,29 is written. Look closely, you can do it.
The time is 9,59,03
